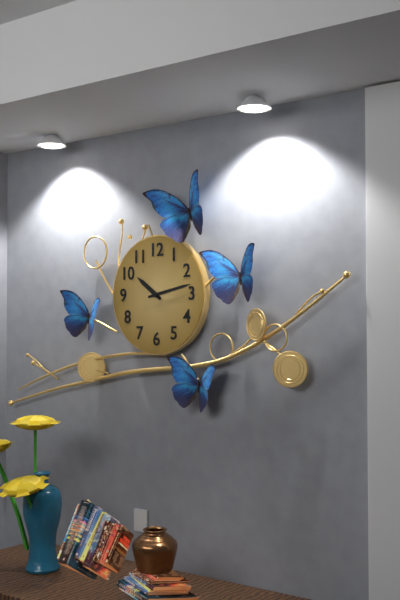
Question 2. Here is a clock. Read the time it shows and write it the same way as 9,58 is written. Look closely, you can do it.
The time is 10,13
